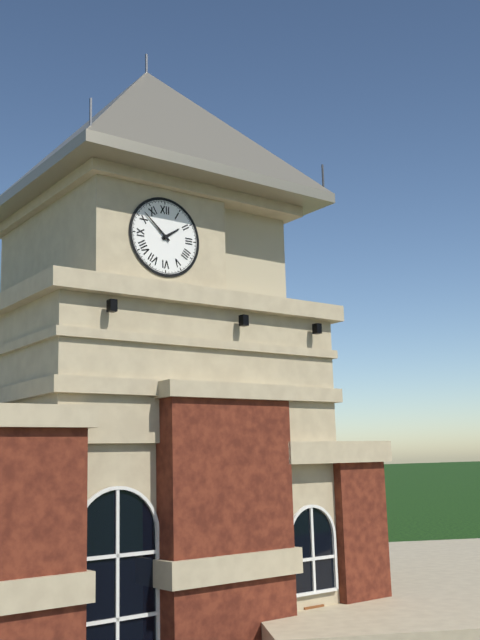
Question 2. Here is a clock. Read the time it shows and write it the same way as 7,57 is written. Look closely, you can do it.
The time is 1,52
